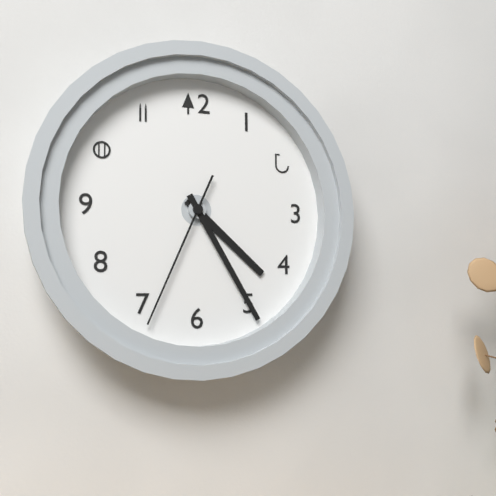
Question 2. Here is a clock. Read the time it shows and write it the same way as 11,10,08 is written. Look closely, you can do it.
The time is 4,25,34
